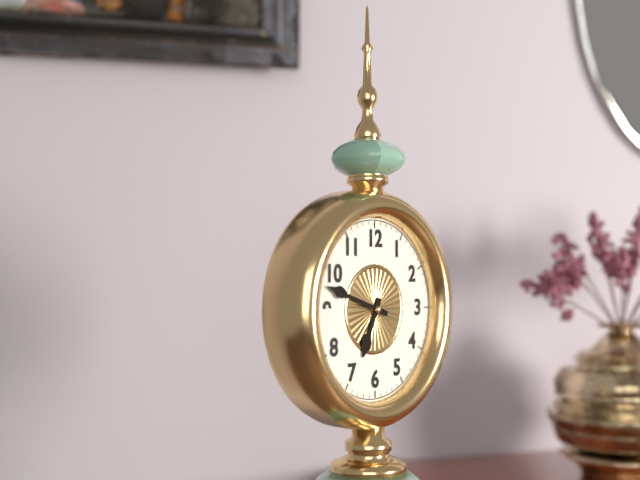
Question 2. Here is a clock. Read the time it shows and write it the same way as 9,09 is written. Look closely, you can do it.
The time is 6,48
